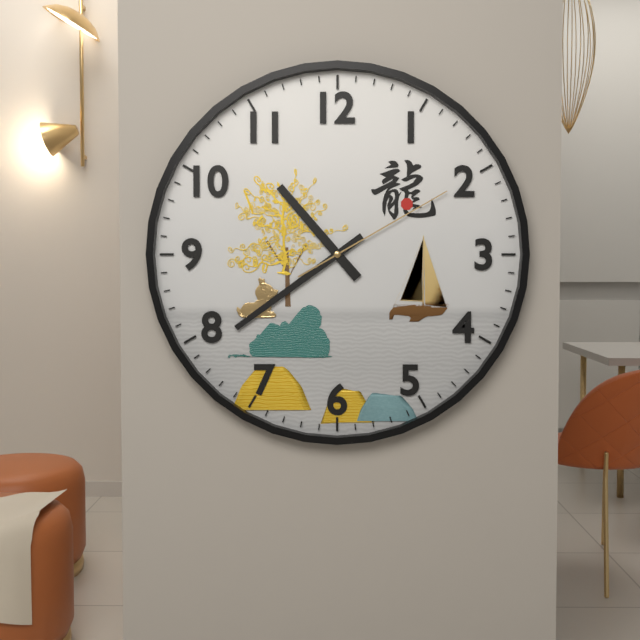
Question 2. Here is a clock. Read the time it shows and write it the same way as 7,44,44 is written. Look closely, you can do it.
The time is 10,39,10
